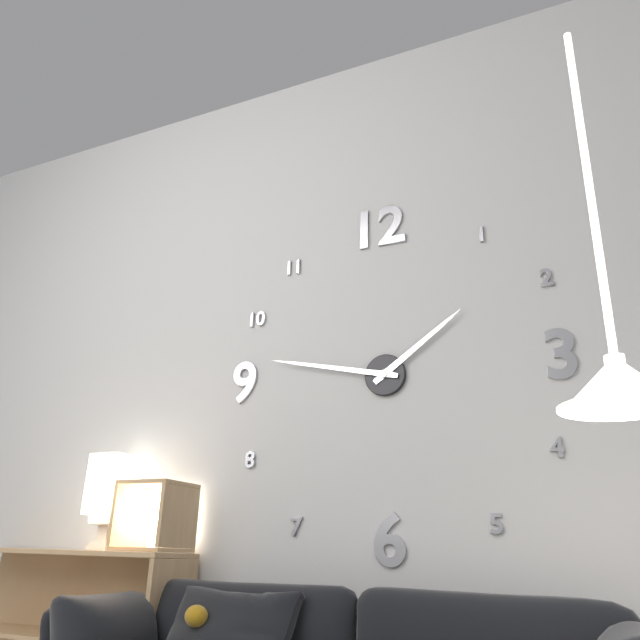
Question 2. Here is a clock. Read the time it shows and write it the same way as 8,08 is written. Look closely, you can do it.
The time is 1,47
